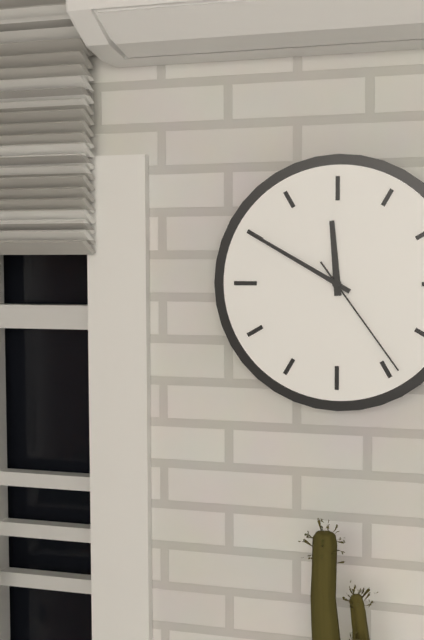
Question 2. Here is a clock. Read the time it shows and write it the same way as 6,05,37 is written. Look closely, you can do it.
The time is 11,50,24
